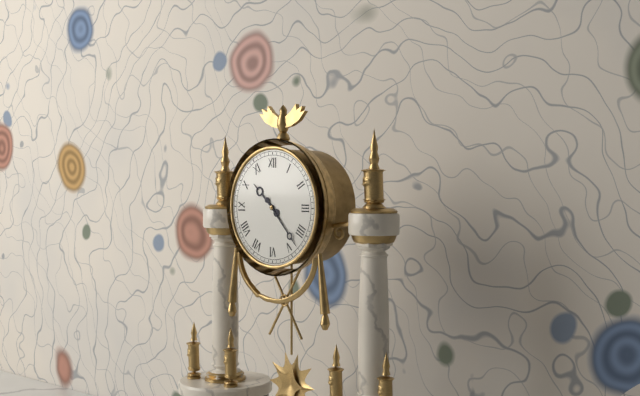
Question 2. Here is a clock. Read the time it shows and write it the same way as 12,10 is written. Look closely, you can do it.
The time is 10,23
